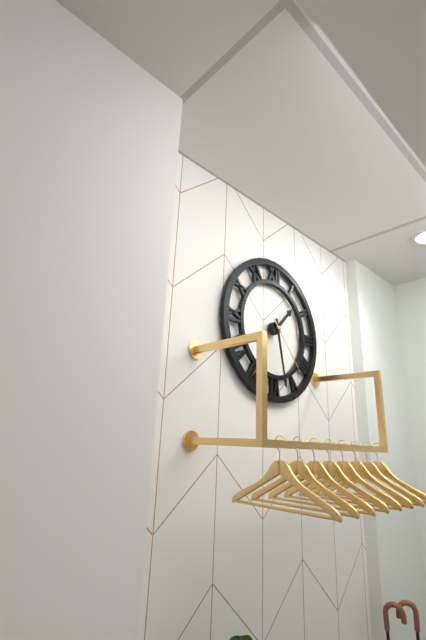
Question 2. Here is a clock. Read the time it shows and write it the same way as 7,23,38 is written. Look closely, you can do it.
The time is 1,28,23
